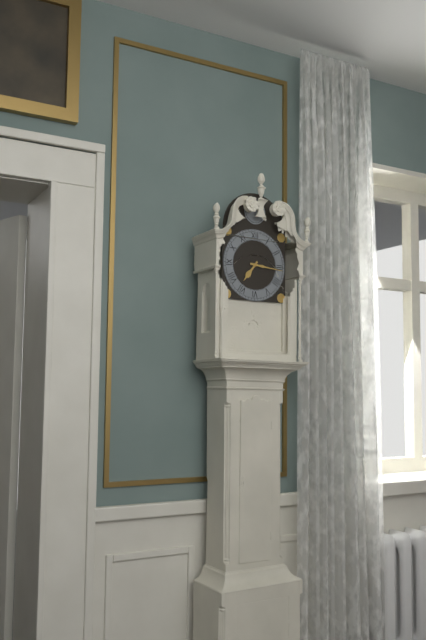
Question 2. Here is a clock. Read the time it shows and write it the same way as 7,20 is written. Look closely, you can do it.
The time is 7,16
